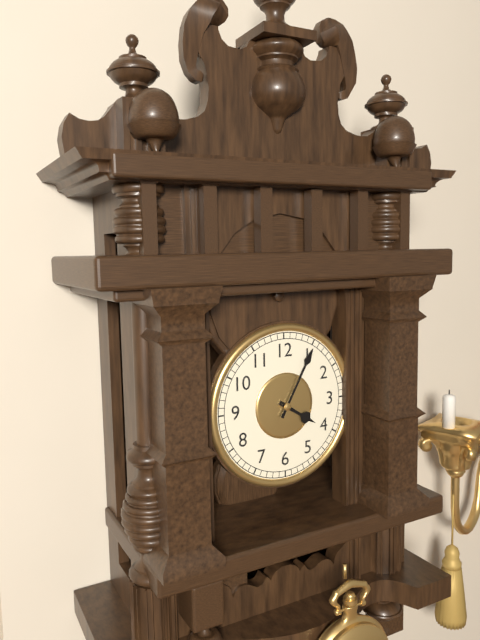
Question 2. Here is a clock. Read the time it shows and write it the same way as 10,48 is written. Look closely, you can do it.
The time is 4,05
